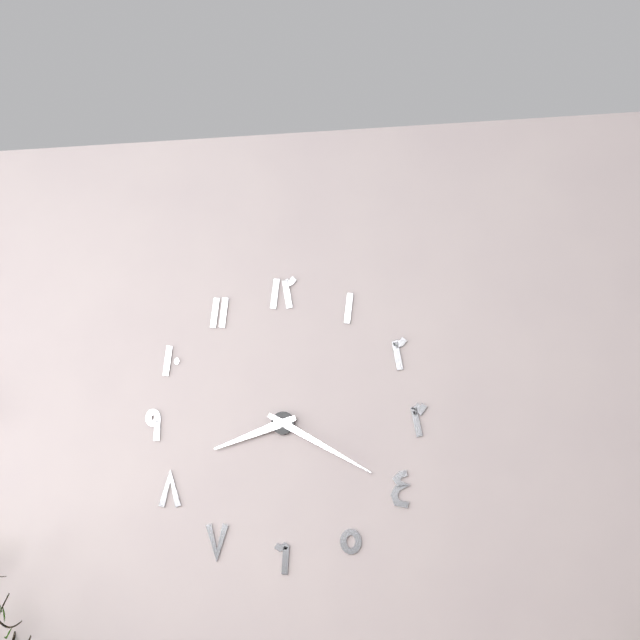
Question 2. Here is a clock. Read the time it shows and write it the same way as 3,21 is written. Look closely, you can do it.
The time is 8,20
